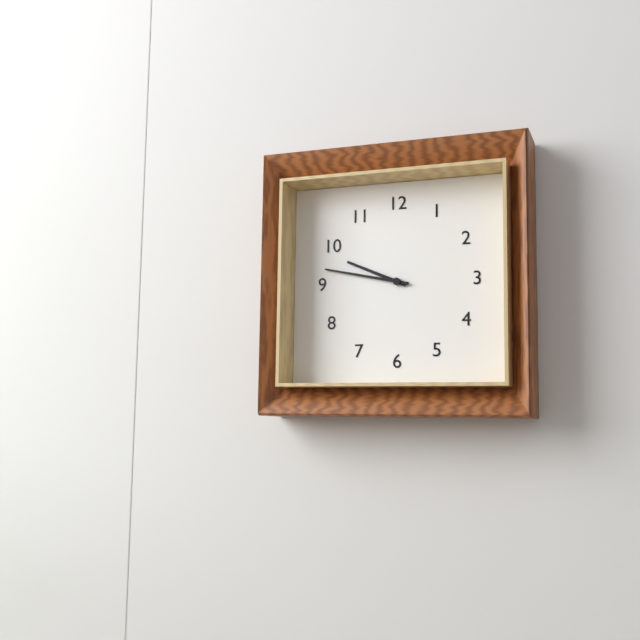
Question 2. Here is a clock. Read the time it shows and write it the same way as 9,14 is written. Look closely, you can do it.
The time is 9,47
